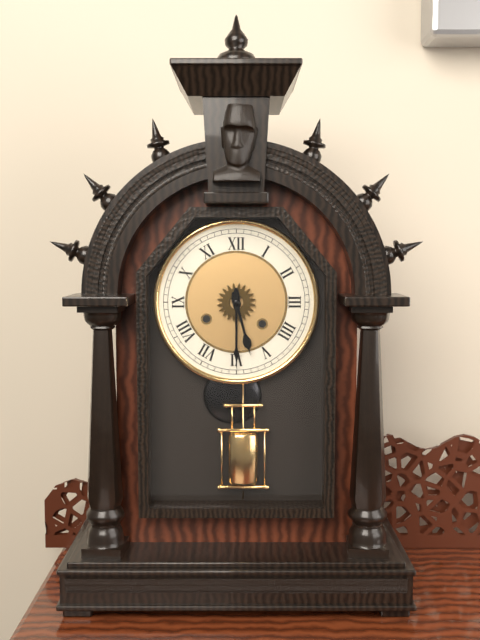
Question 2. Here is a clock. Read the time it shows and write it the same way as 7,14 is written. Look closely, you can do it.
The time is 5,30
